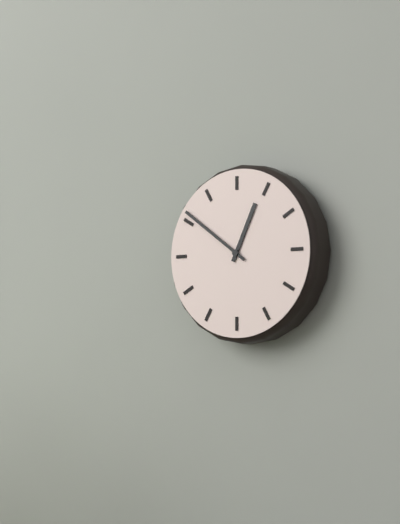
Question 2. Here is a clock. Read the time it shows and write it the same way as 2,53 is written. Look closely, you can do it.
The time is 12,51
